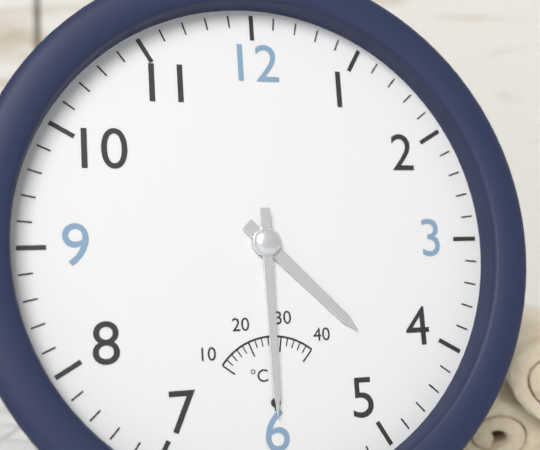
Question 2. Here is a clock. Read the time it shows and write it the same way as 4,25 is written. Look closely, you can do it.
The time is 4,30
